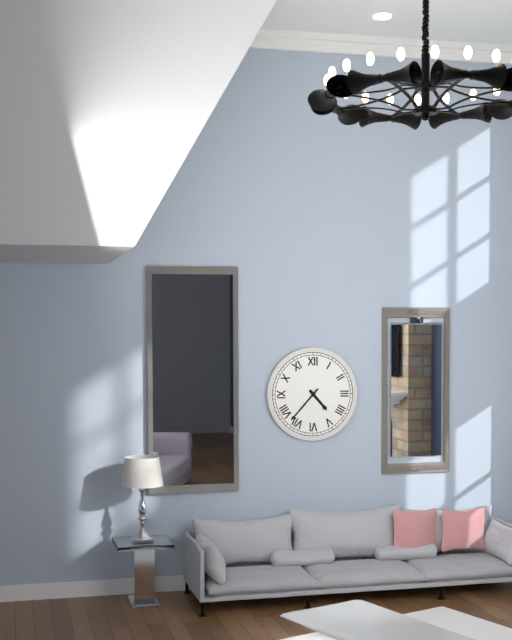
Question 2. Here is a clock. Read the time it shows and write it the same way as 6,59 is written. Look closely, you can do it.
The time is 4,37
